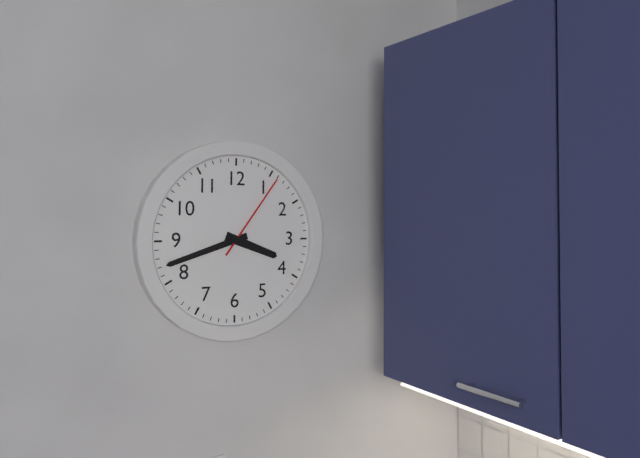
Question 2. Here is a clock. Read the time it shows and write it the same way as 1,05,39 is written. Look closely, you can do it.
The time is 3,42,06
